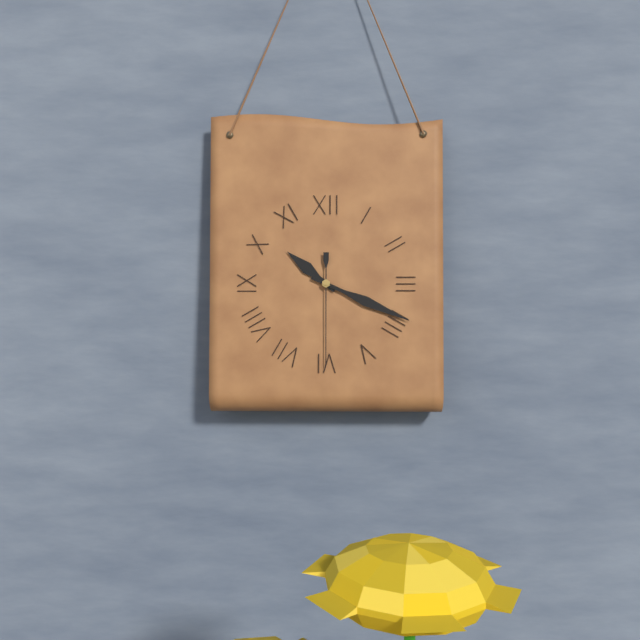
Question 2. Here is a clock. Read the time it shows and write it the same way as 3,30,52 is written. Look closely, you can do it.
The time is 10,19,30
